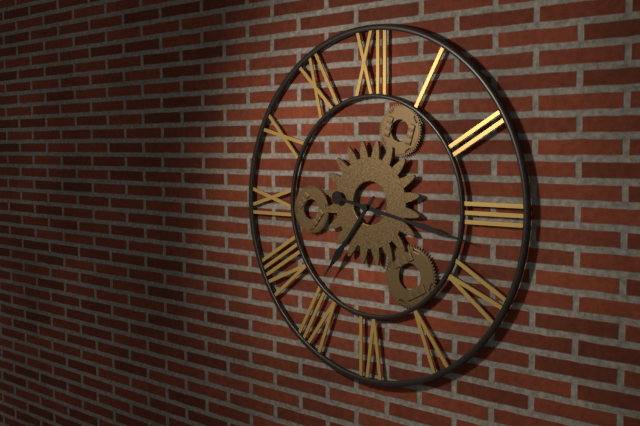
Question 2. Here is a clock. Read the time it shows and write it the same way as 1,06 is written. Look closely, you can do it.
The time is 7,17
